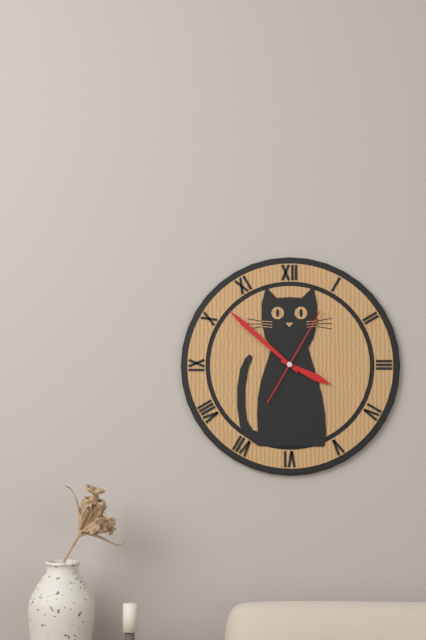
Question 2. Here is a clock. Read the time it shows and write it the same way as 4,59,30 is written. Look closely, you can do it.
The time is 3,52,05
